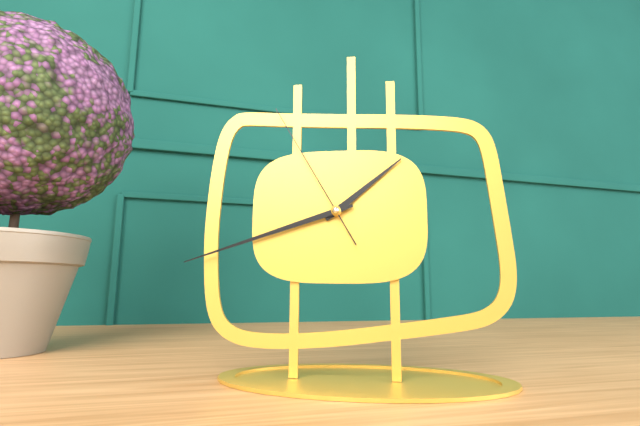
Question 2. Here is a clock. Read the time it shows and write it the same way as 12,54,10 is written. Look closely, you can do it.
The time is 1,42,55
